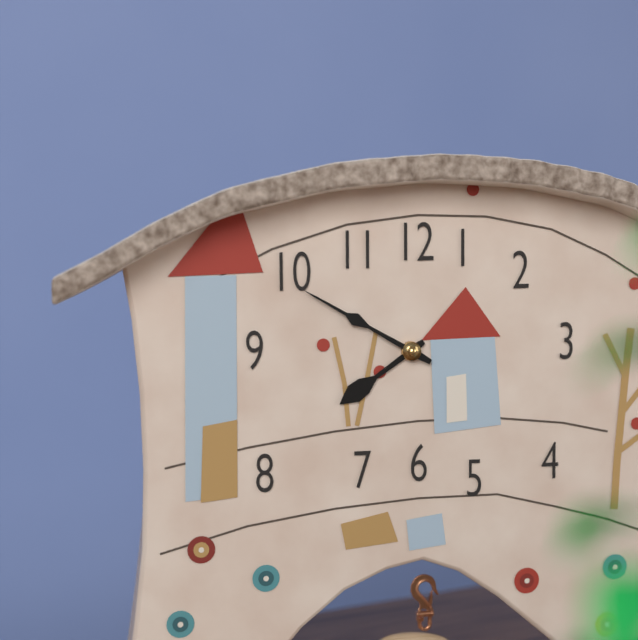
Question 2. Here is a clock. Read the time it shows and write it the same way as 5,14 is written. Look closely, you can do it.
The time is 7,50
